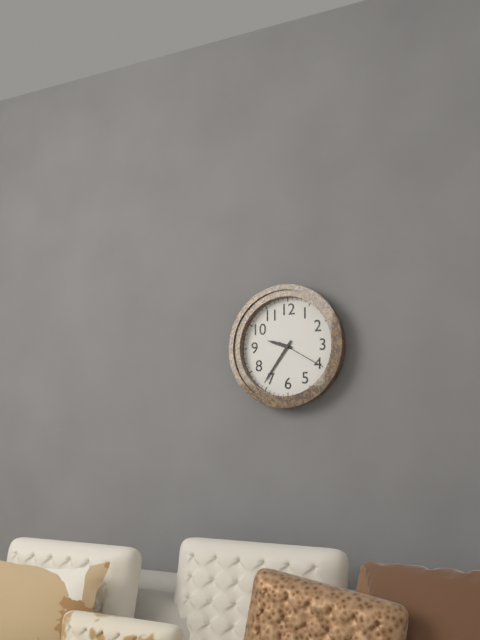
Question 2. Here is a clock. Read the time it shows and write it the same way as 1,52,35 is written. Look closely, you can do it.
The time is 9,36,20
